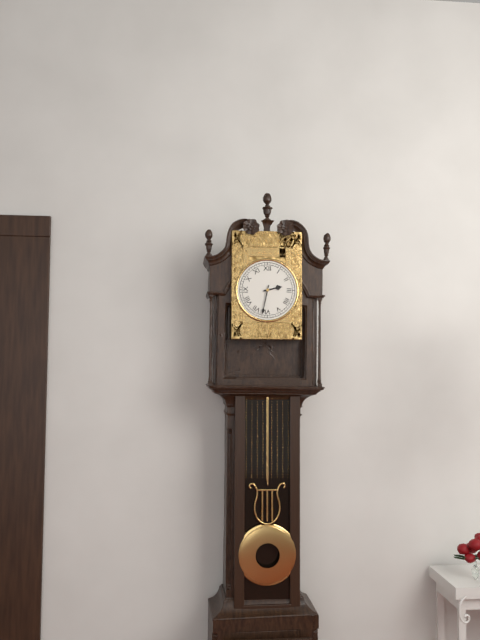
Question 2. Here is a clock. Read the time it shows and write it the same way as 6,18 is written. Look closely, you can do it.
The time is 2,32
